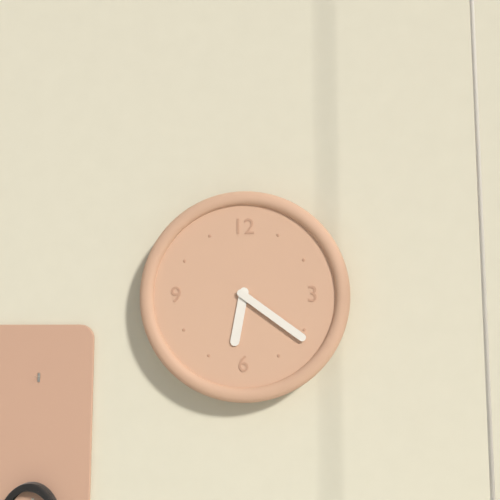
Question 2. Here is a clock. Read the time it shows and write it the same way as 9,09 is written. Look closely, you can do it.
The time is 6,21
